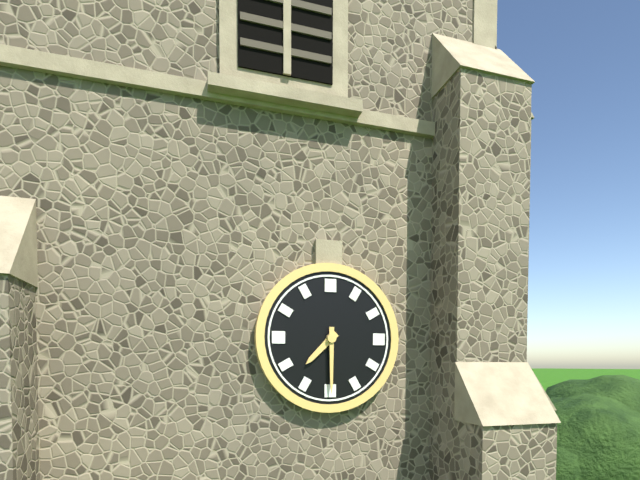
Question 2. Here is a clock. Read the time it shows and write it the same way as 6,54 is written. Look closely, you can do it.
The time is 7,30
